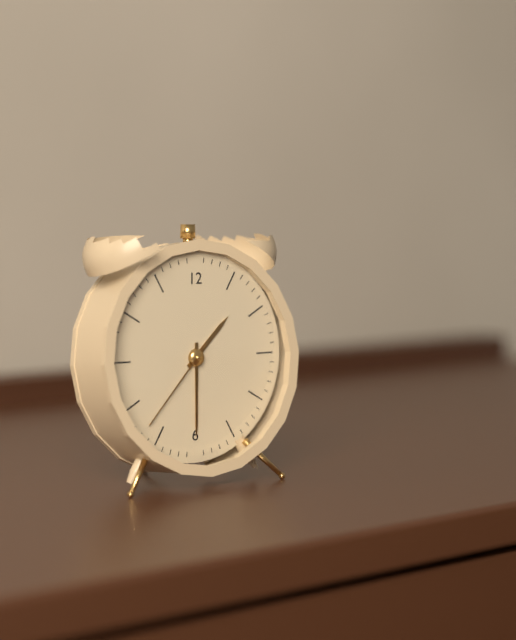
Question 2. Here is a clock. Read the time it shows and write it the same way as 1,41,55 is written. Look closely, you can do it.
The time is 1,30,37
